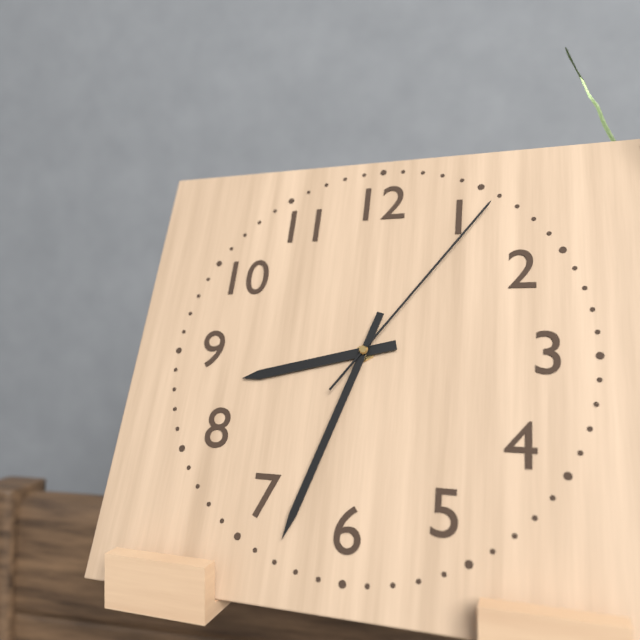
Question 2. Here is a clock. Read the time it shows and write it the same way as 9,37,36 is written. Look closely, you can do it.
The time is 8,33,06
